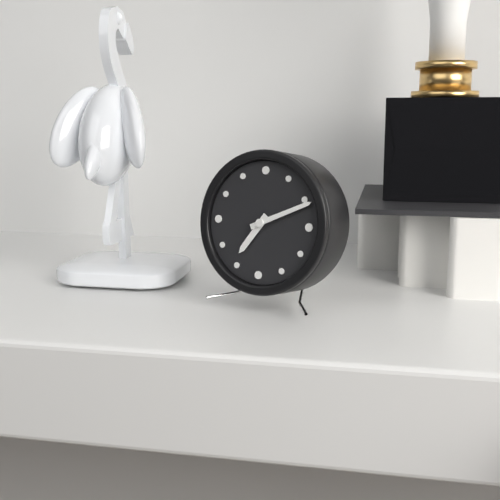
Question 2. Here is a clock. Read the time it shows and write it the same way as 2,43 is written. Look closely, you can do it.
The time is 7,11
